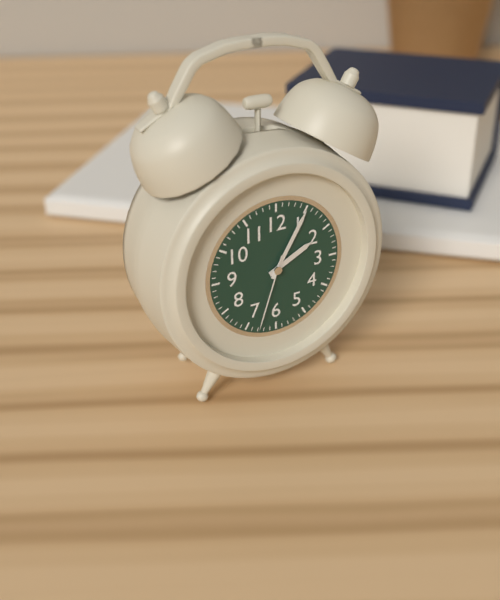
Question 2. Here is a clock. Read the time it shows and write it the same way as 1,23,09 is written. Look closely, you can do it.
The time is 2,05,33
